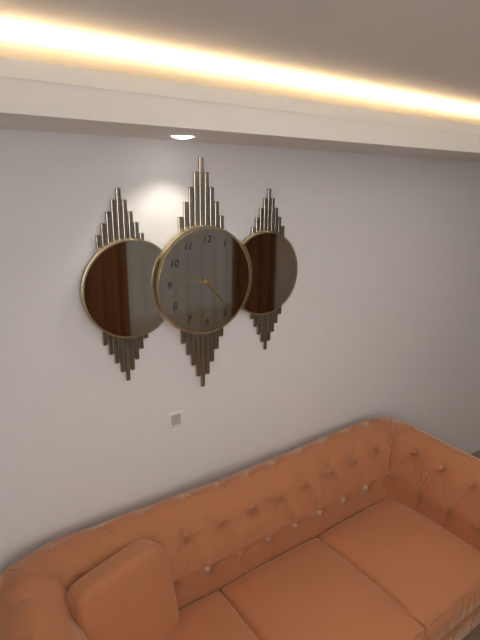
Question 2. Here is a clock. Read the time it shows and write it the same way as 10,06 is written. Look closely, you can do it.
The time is 9,23
